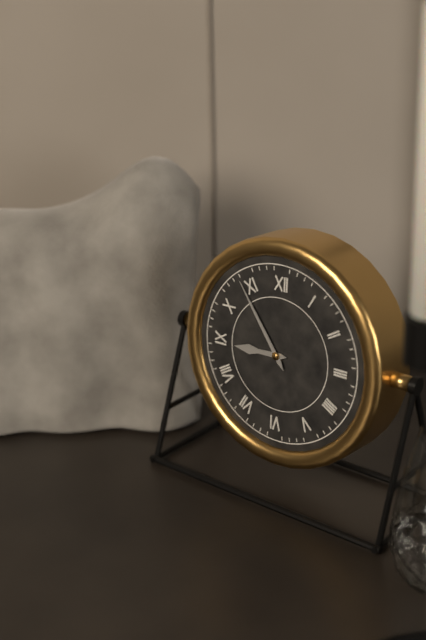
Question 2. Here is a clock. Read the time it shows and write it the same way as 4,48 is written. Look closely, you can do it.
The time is 8,54
